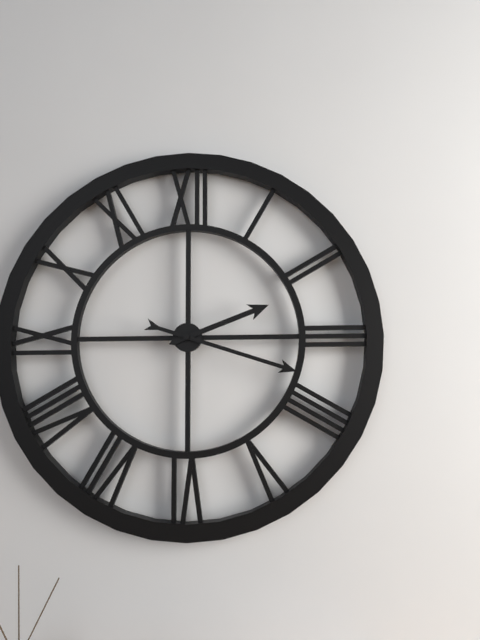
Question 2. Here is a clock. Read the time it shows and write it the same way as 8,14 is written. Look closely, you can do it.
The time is 2,18
